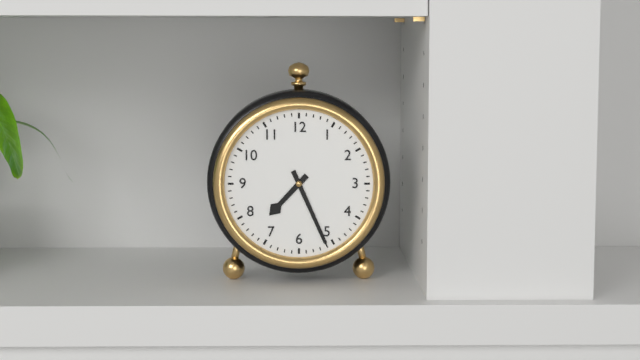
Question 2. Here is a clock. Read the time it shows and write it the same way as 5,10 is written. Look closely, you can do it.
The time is 7,26
